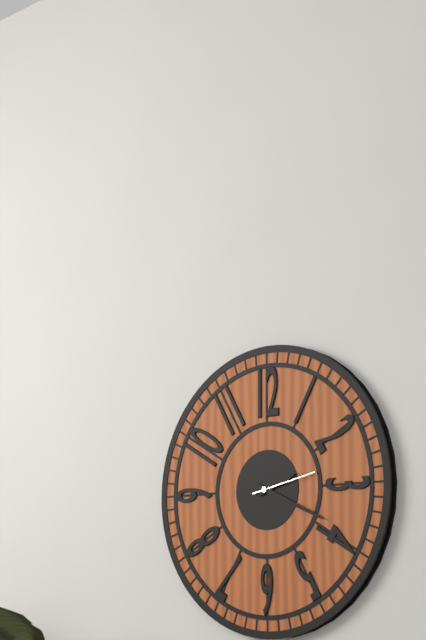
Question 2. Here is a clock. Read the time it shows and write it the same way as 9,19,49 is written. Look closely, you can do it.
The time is 2,19,13
